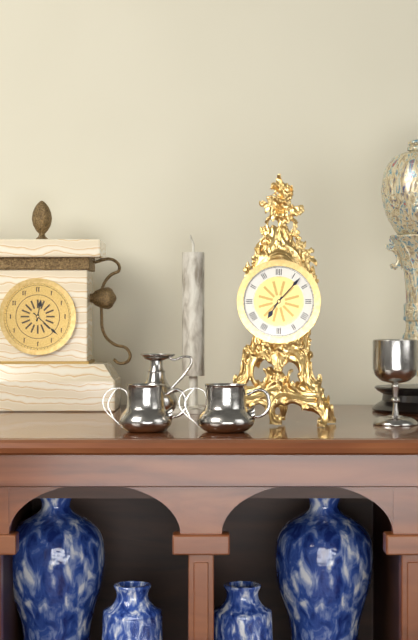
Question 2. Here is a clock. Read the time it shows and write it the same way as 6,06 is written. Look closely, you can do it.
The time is 7,07
